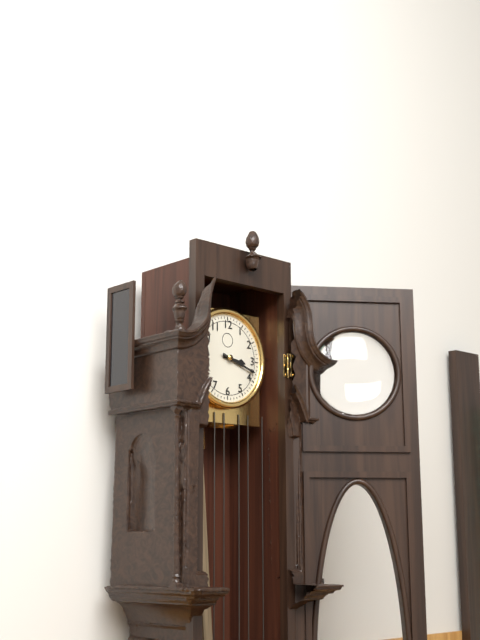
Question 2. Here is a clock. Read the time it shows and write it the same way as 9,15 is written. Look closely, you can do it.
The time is 3,18
